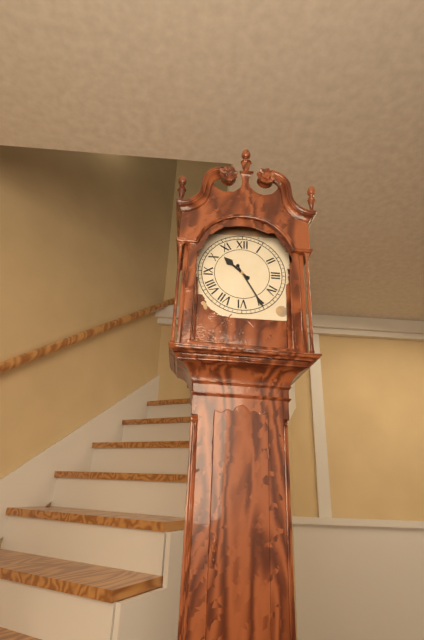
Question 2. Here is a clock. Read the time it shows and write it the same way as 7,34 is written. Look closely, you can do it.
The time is 10,25
